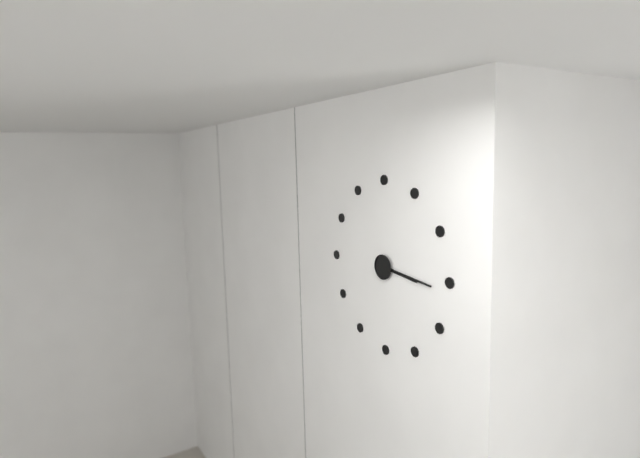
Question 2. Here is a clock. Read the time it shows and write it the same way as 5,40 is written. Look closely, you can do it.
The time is 3,16
